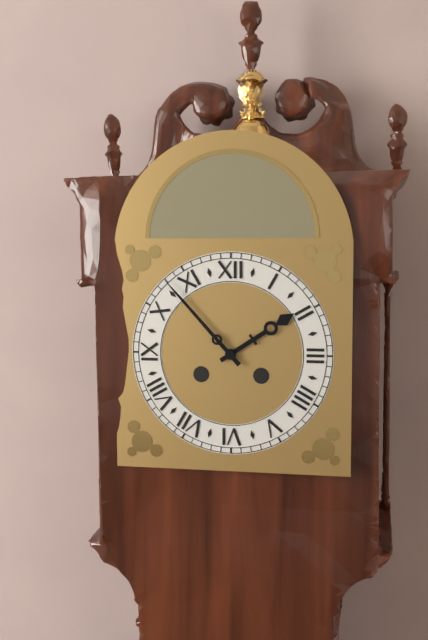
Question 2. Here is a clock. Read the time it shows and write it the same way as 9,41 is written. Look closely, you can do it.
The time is 1,53
